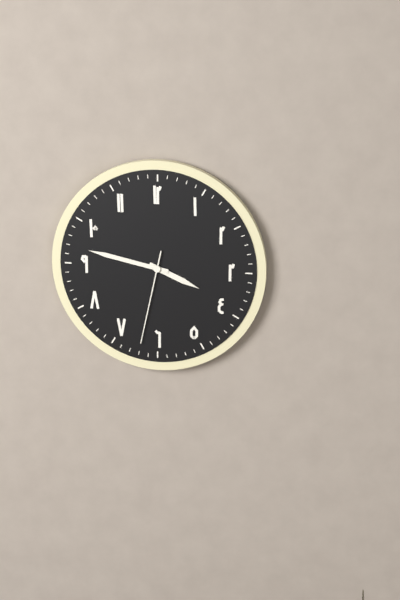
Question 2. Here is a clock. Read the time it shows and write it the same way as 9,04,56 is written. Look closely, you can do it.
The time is 3,47,32
